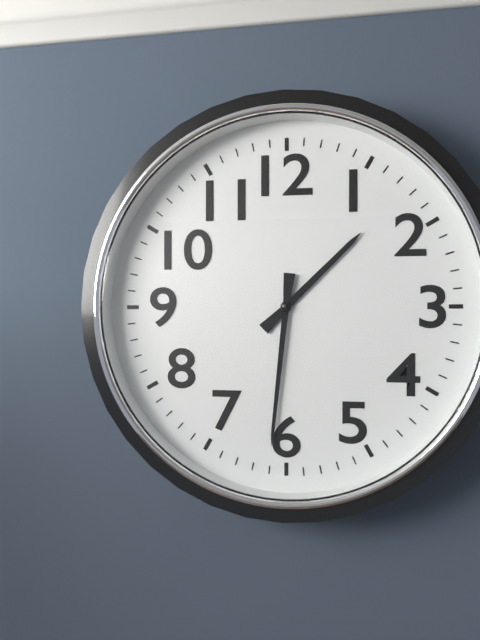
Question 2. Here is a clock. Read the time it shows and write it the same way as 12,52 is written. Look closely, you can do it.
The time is 1,31
